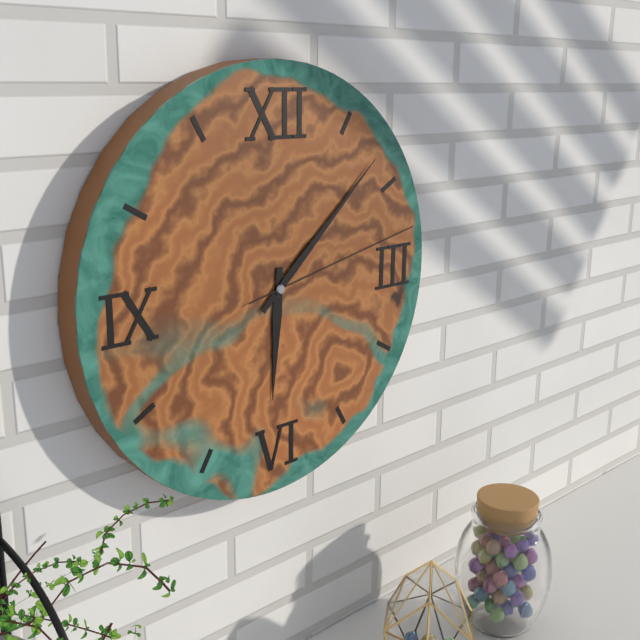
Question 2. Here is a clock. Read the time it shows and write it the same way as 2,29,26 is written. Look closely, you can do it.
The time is 6,08,13
